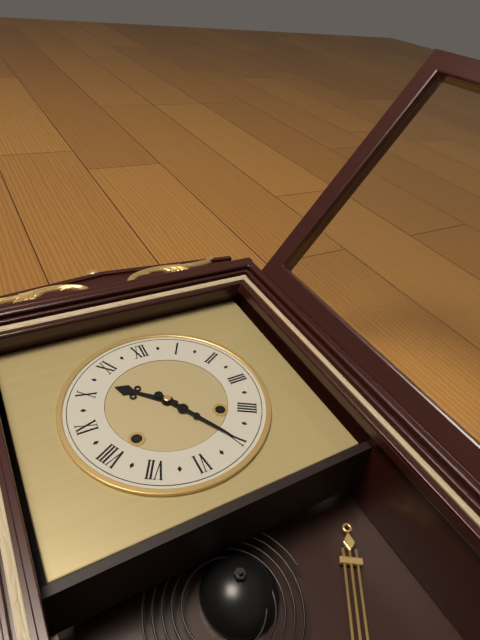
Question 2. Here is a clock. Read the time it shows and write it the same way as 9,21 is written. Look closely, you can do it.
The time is 10,25
